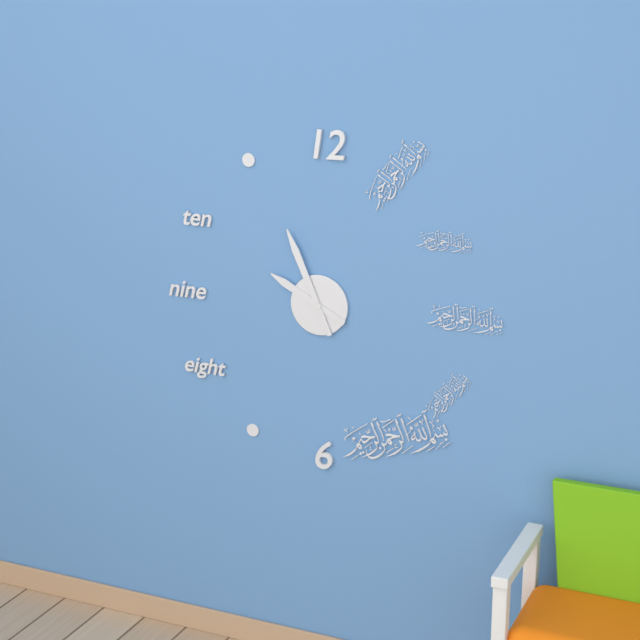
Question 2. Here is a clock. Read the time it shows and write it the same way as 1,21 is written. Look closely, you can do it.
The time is 9,56
